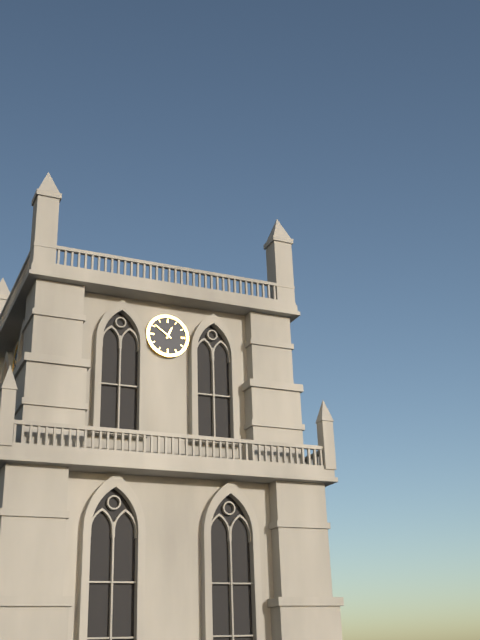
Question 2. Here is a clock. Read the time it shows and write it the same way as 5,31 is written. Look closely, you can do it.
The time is 12,51
